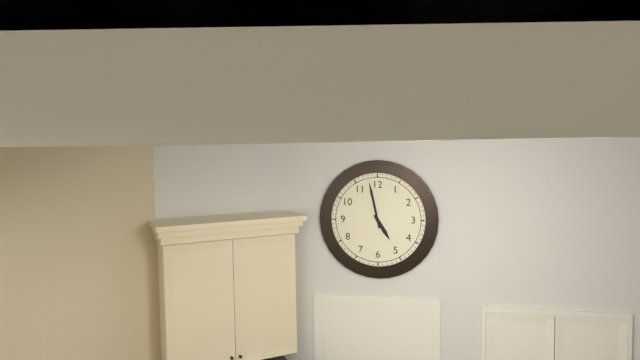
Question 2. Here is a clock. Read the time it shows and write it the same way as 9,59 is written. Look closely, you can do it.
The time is 4,58
